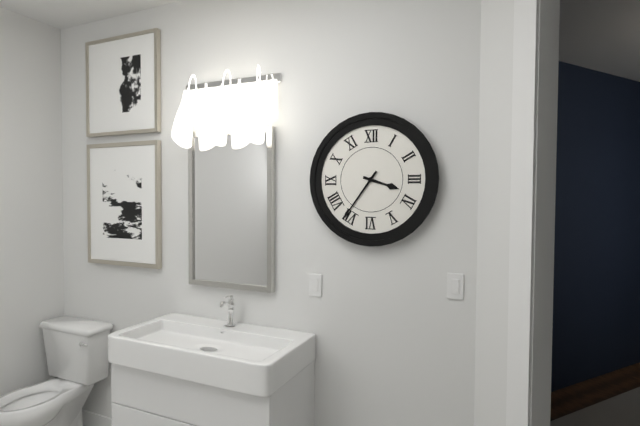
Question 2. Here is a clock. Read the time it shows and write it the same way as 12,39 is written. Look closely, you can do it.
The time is 3,36
